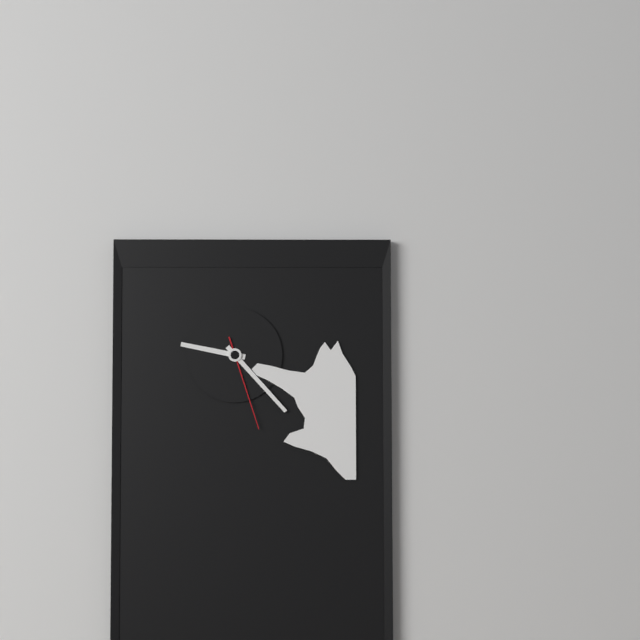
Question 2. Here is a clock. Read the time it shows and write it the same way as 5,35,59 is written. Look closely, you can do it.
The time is 9,23,27
